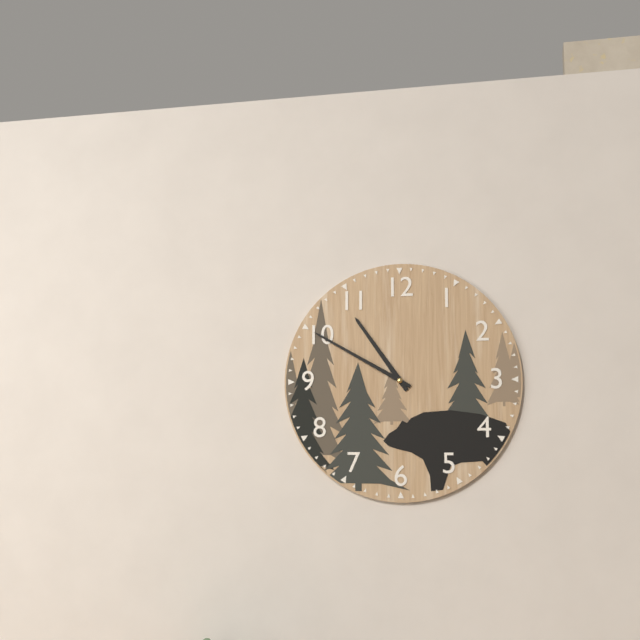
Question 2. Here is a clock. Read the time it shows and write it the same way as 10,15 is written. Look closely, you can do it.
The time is 10,50
